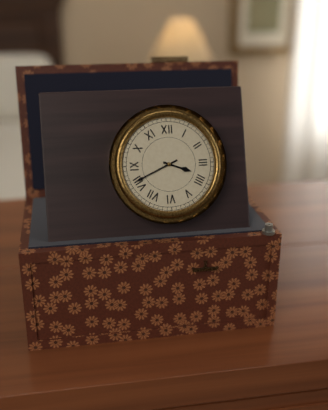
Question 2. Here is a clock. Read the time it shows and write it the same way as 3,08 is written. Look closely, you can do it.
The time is 3,41
